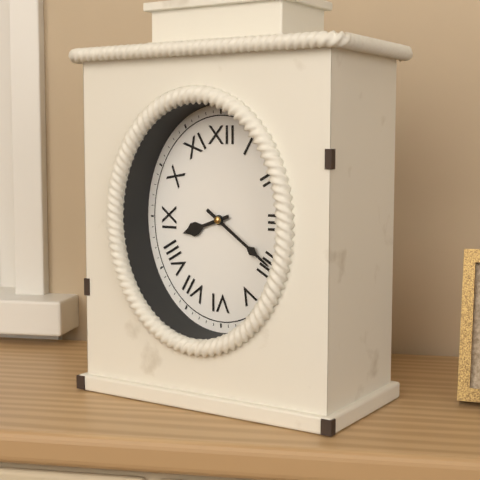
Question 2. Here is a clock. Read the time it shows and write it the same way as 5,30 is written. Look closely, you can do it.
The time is 8,21
